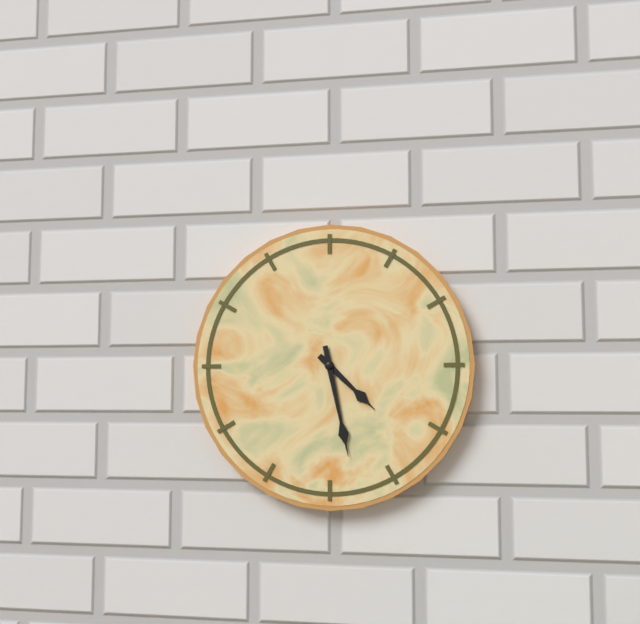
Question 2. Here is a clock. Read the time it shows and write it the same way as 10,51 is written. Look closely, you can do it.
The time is 4,28
